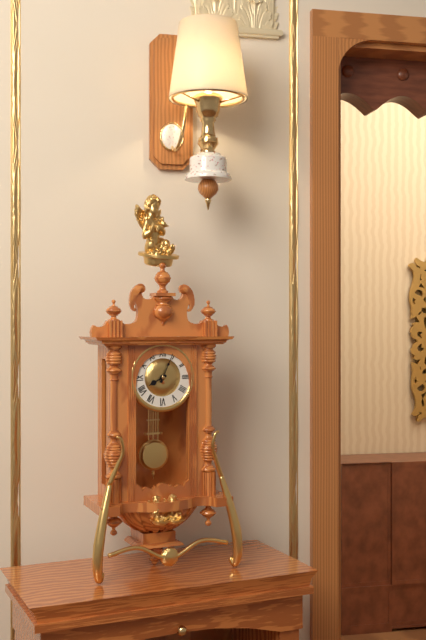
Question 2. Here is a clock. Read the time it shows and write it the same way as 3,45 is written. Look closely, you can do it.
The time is 8,04
